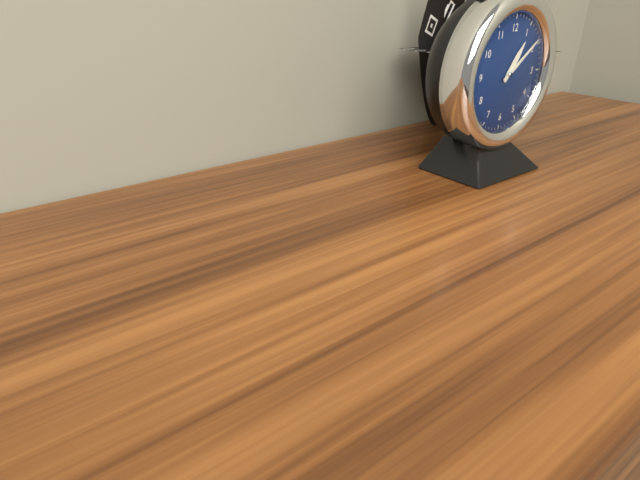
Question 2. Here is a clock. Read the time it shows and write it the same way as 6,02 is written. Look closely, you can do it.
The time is 1,09
